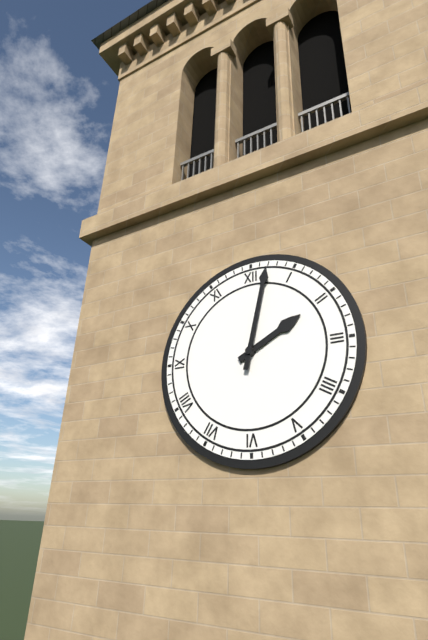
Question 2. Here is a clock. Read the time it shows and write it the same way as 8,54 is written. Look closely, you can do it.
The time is 2,02
